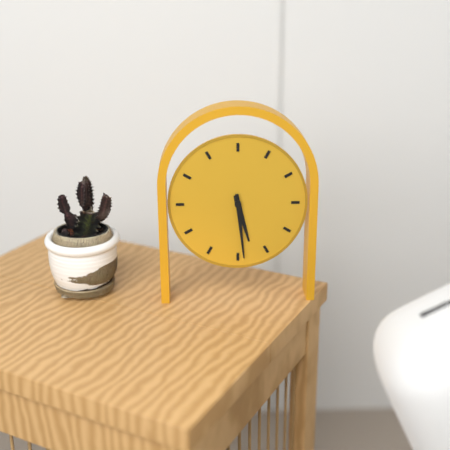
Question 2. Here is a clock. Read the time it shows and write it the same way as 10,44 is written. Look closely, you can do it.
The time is 5,29
